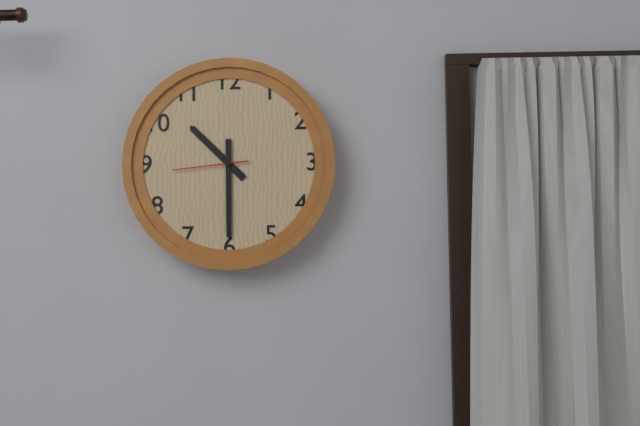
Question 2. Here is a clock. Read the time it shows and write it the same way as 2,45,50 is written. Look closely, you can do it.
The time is 10,30,44
